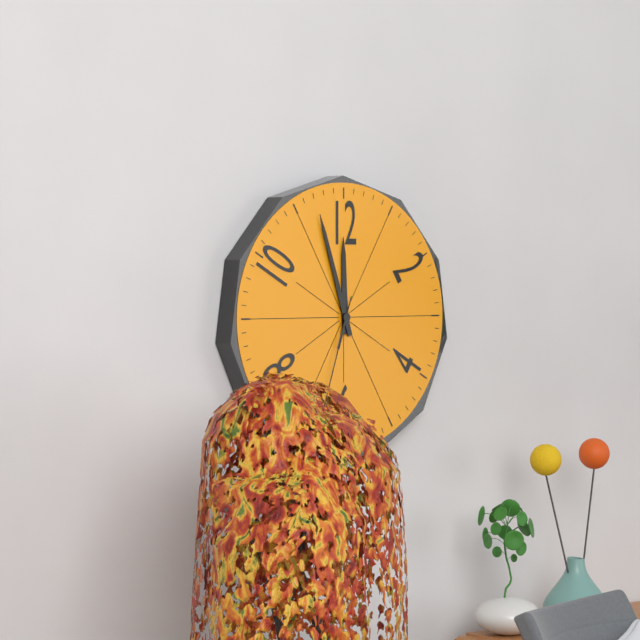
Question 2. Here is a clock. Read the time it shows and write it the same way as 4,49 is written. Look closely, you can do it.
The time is 11,57
